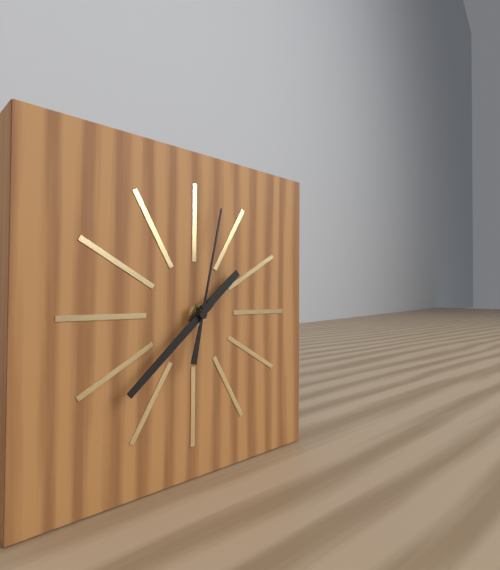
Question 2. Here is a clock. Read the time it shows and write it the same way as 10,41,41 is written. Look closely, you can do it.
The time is 1,38,02
